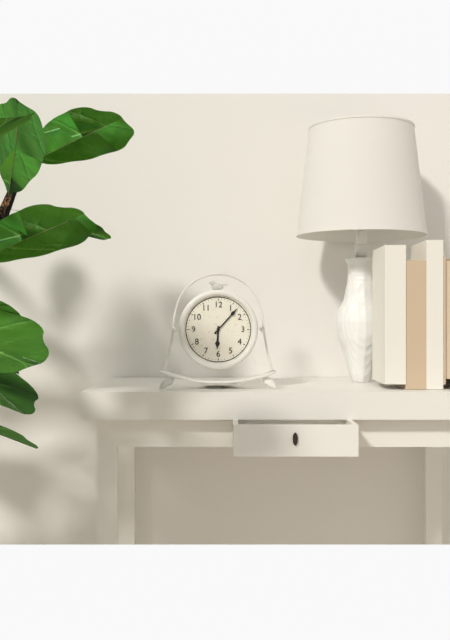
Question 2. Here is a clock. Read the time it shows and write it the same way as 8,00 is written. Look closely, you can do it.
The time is 6,07
